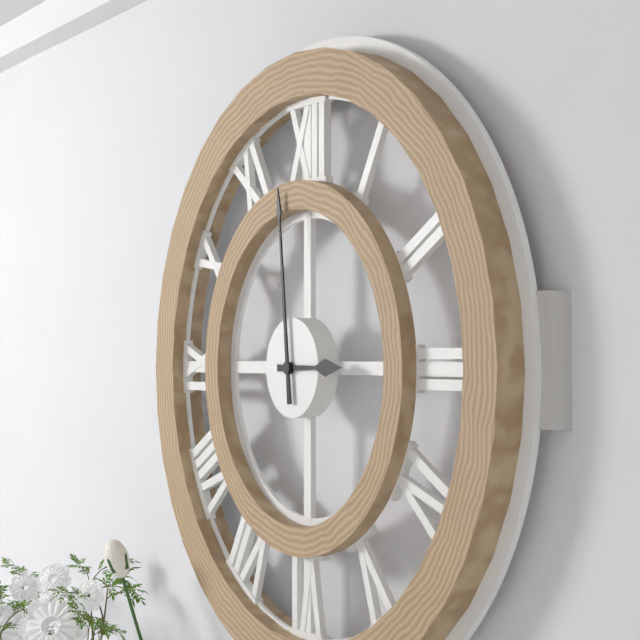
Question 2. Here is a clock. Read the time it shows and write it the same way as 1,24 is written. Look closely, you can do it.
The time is 2,59
